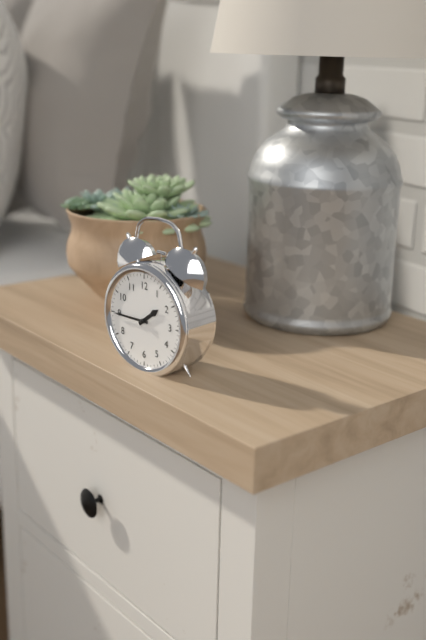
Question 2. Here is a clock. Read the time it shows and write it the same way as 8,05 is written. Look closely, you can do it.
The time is 1,45
